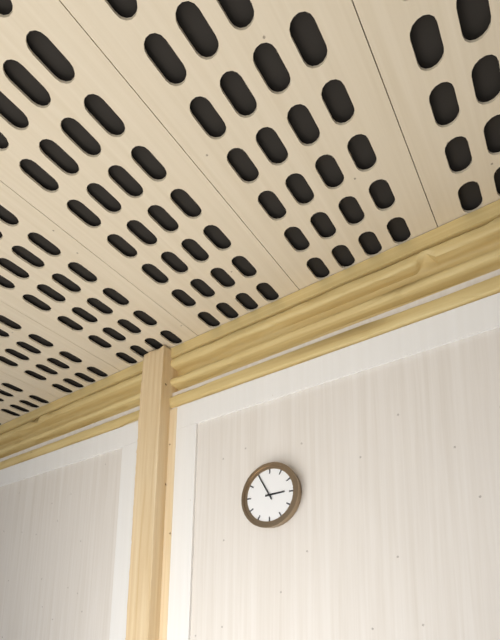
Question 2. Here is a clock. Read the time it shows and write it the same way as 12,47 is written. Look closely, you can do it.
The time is 2,55
